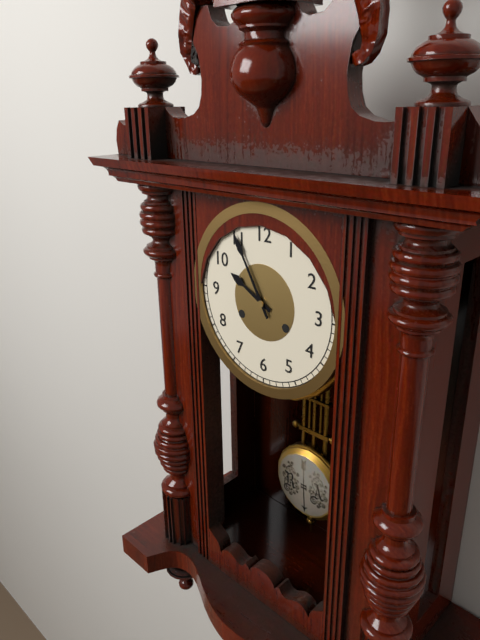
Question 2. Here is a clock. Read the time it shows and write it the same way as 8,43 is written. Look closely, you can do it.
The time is 9,55
